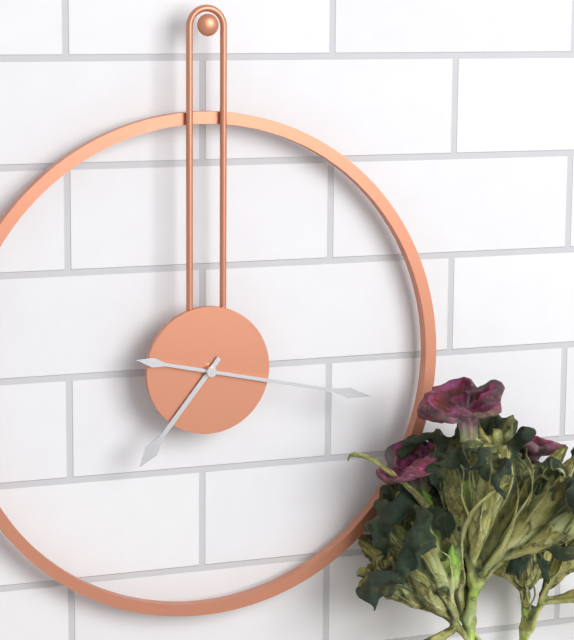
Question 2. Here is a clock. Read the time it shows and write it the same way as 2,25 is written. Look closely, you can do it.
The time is 7,17
